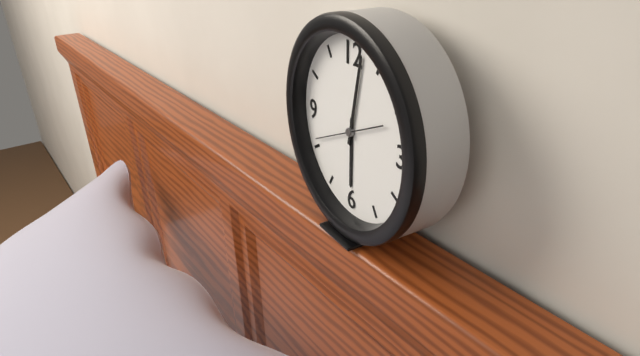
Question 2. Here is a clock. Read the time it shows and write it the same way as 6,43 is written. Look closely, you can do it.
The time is 6,02
